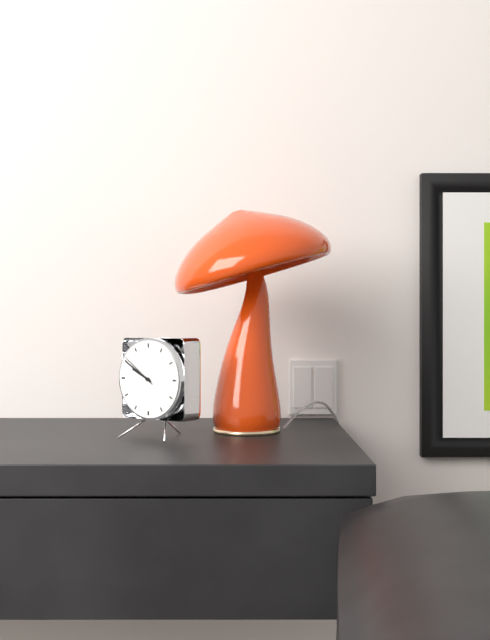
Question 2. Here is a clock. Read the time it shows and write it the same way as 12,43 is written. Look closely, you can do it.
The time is 9,50
